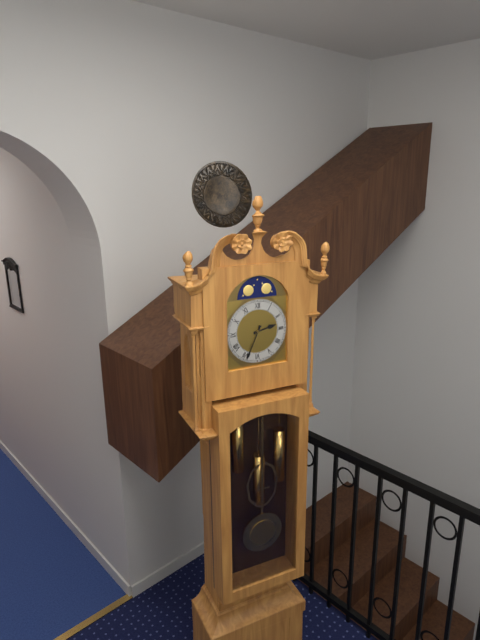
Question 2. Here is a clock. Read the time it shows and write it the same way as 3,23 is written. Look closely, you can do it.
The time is 2,34
